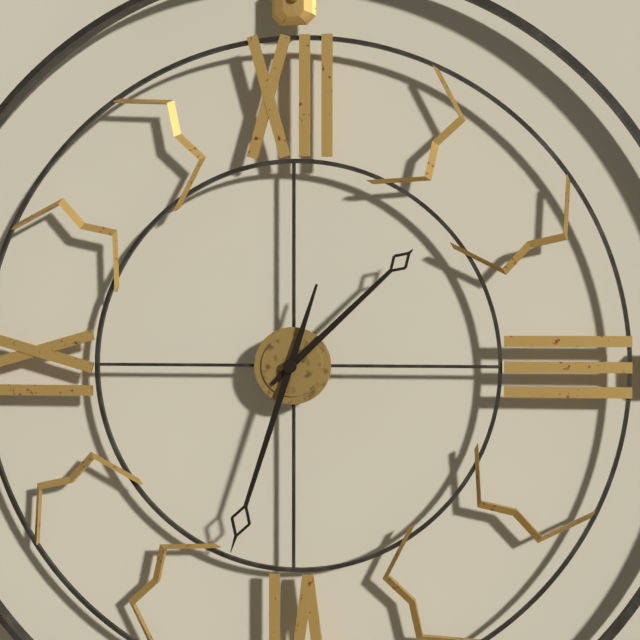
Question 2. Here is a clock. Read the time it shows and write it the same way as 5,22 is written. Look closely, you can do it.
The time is 1,33
